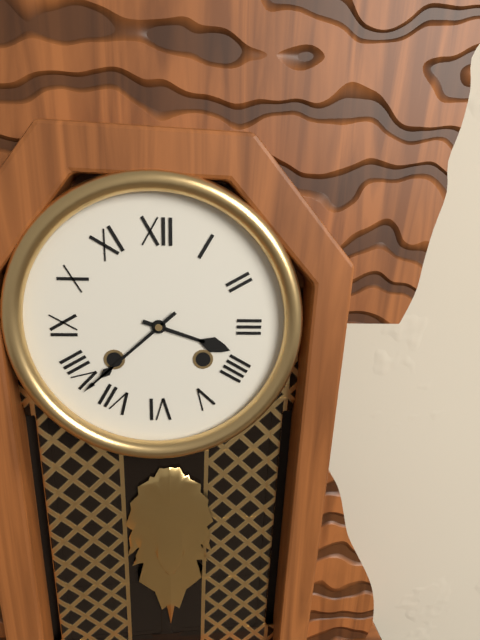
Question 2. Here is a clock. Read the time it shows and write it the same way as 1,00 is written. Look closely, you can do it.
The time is 3,38
